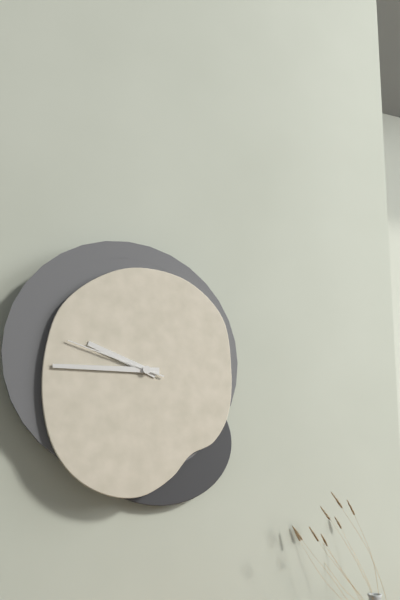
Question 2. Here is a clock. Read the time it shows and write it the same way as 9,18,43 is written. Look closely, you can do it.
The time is 9,45,48
